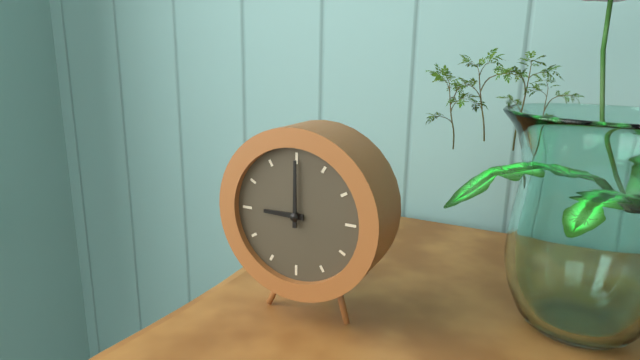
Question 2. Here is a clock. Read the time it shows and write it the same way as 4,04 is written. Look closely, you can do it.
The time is 9,00
